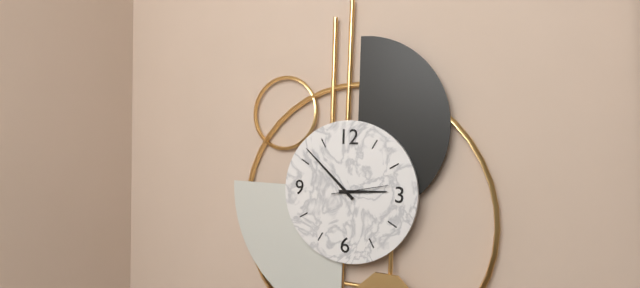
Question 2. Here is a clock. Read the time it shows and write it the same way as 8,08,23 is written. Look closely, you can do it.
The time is 2,52,13
